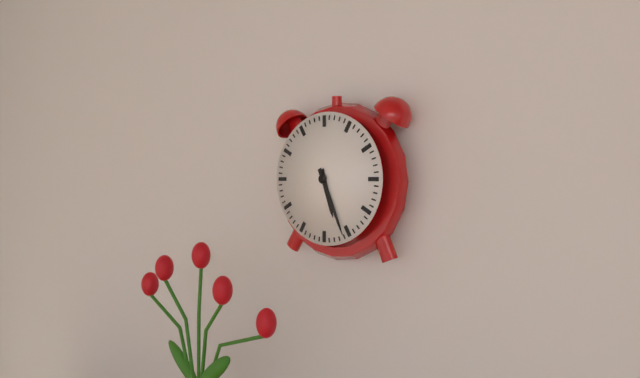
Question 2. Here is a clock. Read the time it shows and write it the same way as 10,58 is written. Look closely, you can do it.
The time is 5,26
